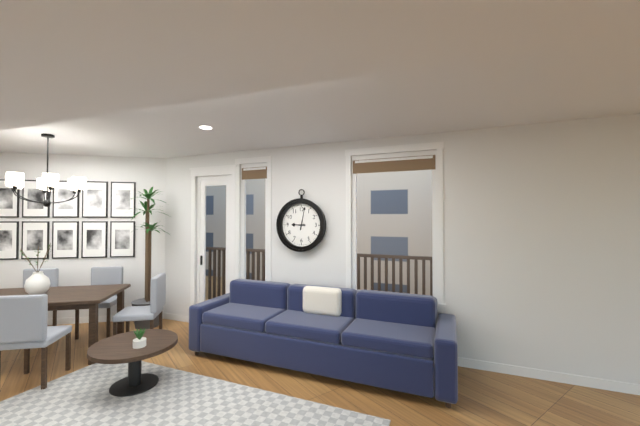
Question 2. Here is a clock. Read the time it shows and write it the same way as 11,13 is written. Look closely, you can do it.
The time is 9,02
